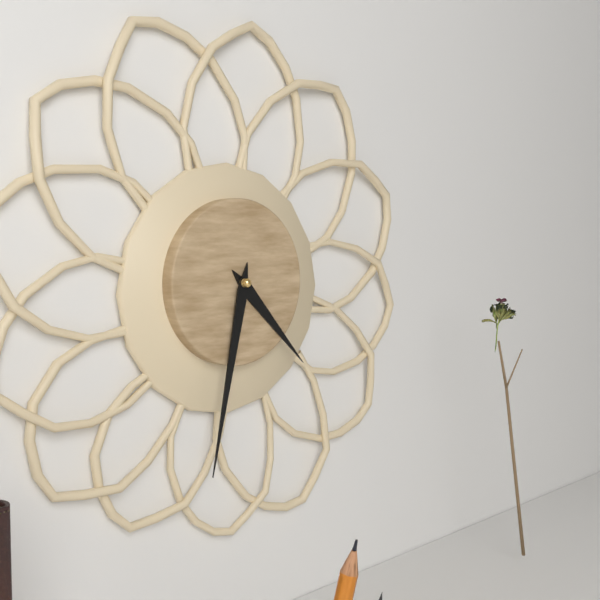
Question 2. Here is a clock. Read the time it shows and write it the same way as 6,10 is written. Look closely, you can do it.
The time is 4,32
